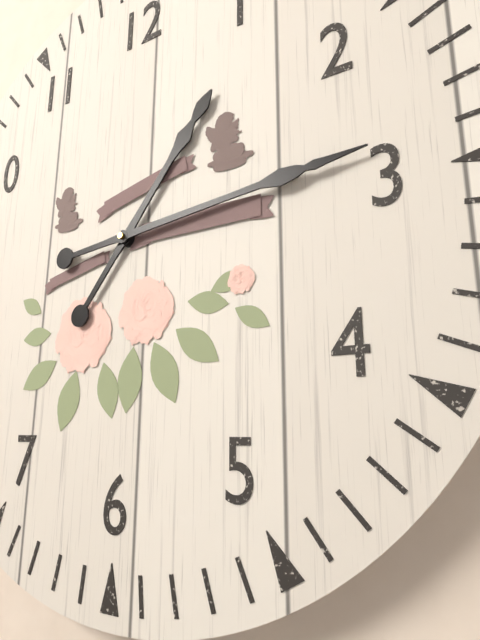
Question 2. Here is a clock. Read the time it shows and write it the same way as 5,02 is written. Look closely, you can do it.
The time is 1,14
